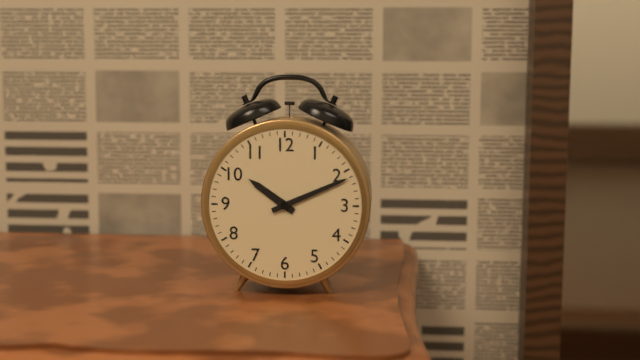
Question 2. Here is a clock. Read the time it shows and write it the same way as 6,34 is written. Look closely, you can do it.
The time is 10,11
